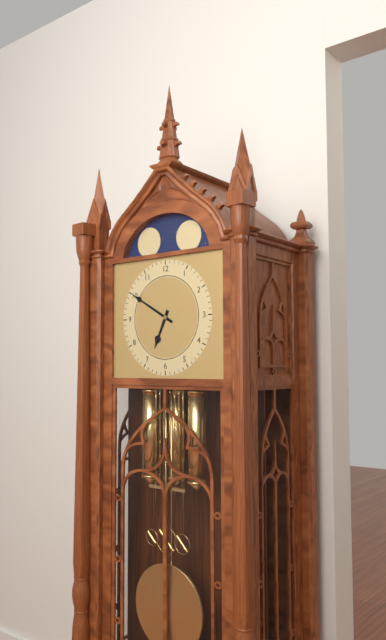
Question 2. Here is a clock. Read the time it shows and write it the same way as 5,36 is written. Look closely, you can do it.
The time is 6,50
